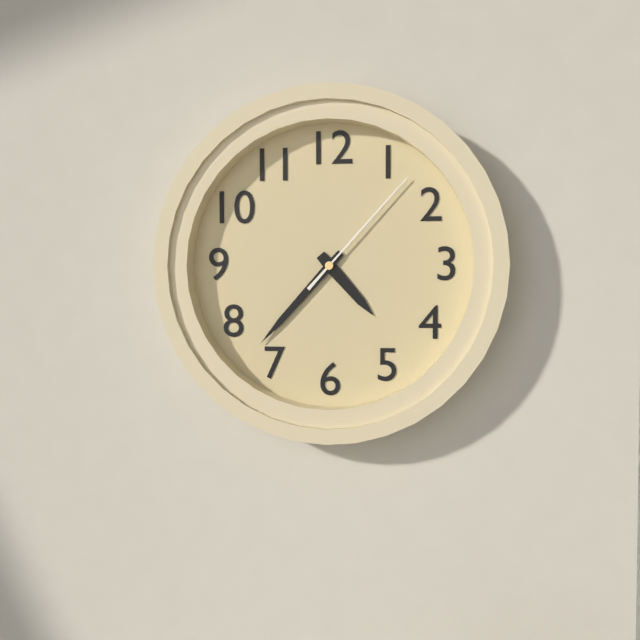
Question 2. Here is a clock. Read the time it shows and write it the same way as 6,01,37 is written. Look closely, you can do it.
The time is 4,37,07
